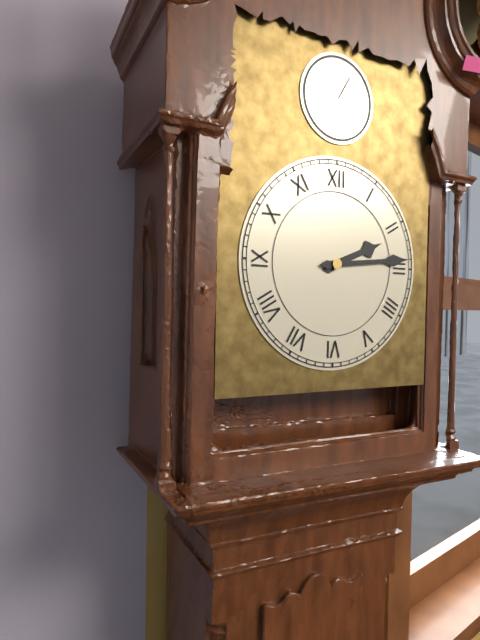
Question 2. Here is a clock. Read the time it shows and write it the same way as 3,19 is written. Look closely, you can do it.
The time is 2,14
